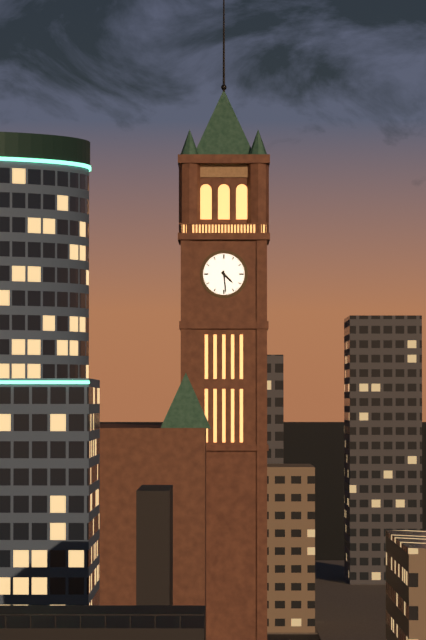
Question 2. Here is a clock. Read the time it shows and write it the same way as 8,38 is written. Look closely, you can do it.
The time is 4,29
